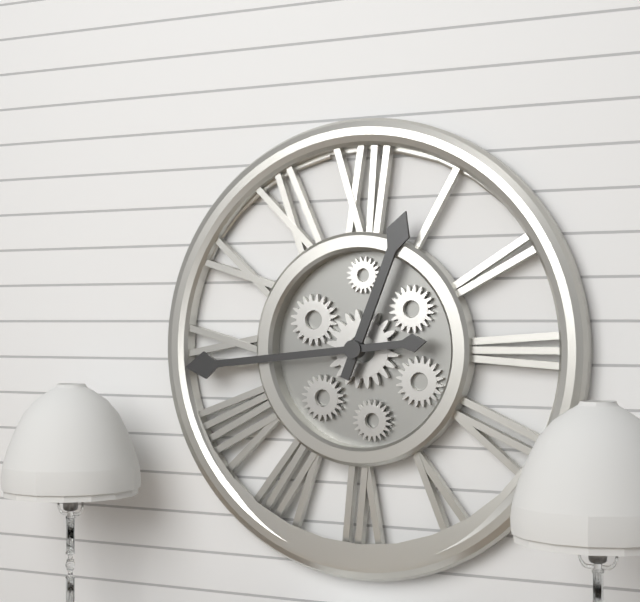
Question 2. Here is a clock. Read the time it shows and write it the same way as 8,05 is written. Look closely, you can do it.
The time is 12,44
